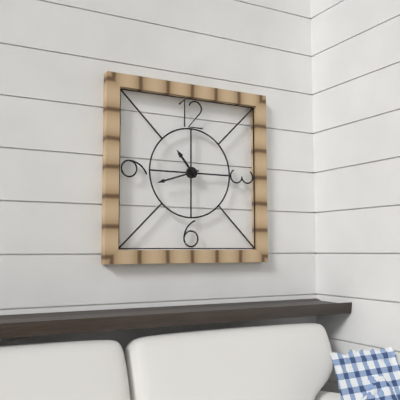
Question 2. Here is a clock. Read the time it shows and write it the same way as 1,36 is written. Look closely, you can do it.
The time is 10,42
